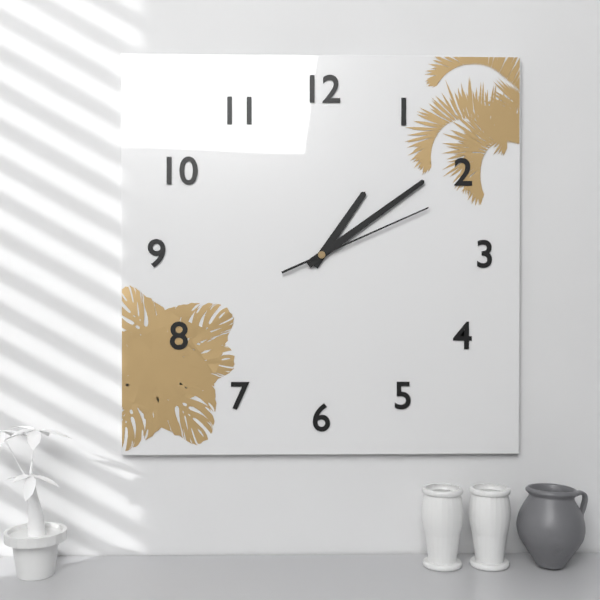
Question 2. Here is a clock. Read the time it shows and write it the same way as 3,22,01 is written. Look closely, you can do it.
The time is 1,09,11
